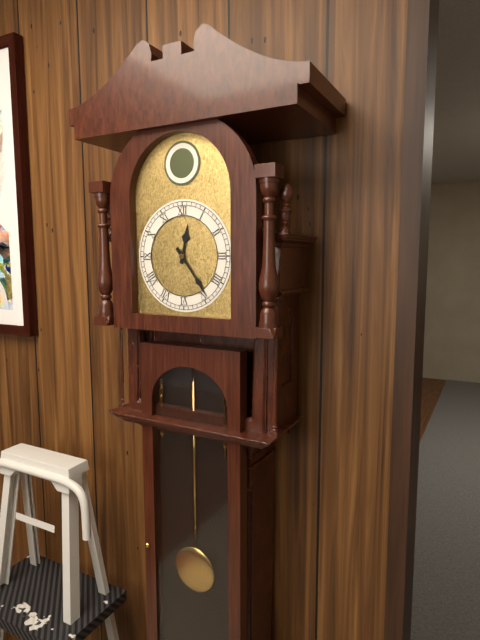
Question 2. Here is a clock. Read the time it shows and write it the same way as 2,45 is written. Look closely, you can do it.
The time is 12,24
